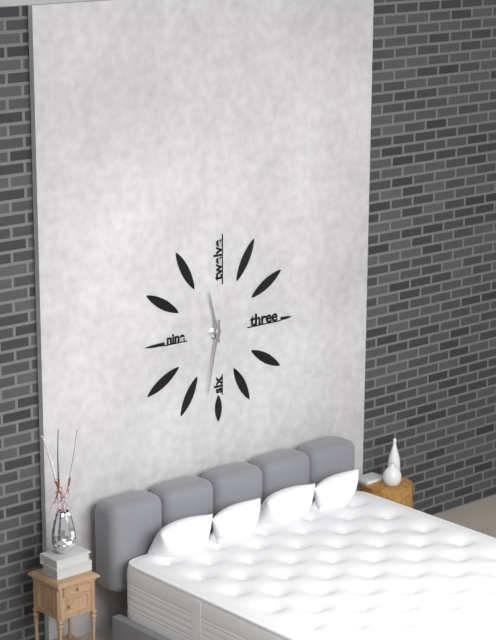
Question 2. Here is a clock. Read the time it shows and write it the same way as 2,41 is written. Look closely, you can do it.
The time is 11,32
